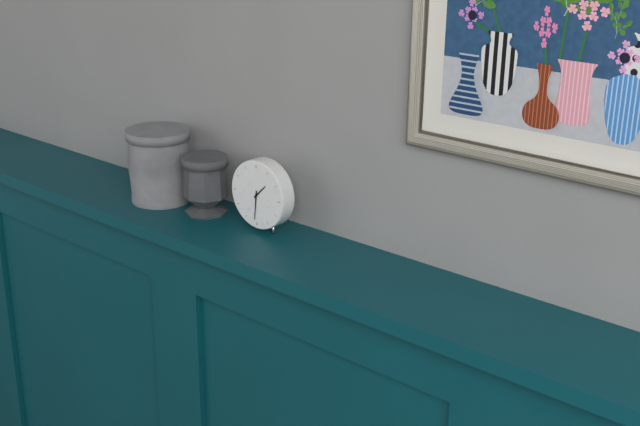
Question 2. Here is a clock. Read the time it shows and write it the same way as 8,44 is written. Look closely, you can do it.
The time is 1,31
